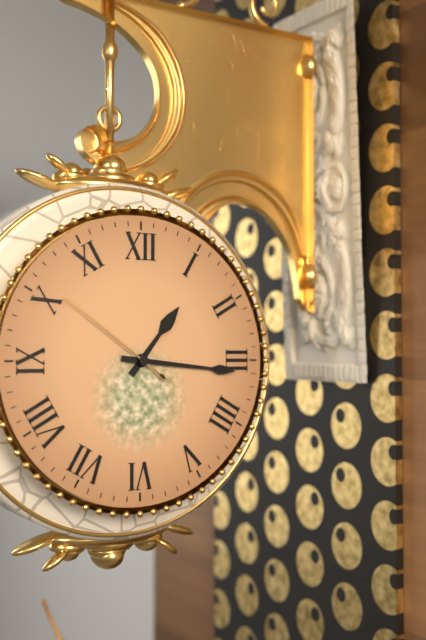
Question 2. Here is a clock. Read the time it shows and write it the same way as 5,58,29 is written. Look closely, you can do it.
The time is 1,16,51
